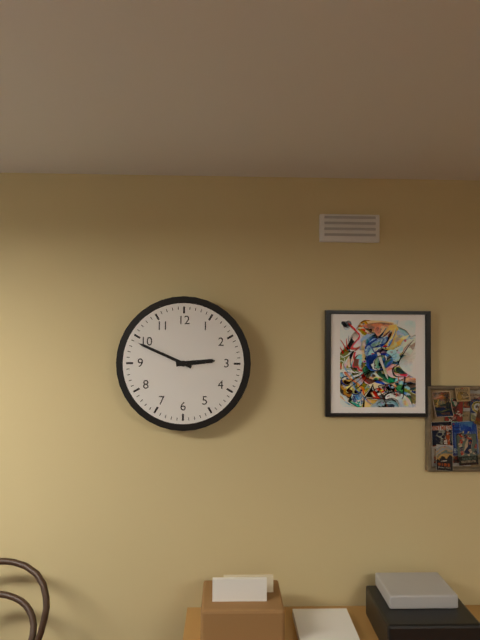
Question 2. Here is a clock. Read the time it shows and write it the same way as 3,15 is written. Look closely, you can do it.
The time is 2,49
